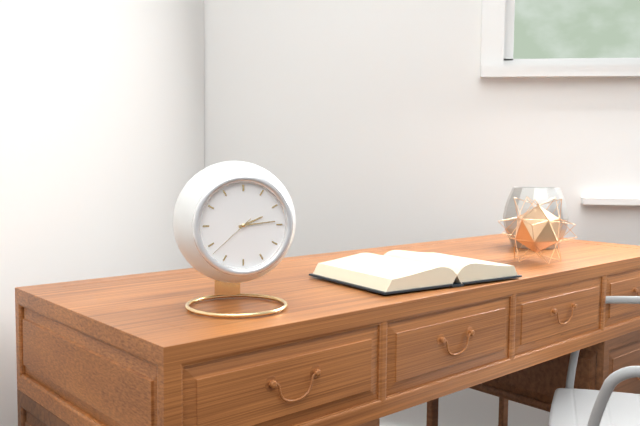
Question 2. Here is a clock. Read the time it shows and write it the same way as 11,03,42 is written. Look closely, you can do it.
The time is 2,14,38
